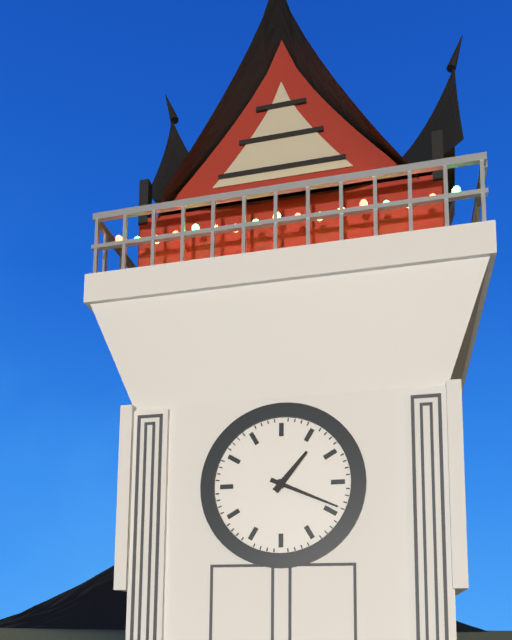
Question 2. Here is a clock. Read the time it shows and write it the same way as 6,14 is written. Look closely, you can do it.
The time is 1,19
